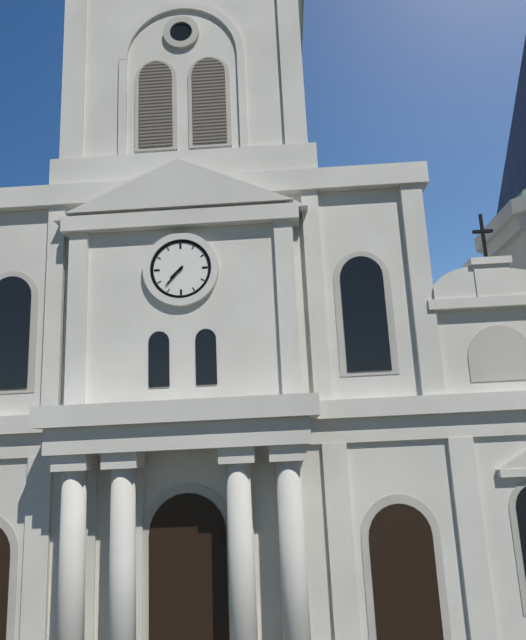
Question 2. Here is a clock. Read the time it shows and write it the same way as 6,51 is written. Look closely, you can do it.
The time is 7,37
